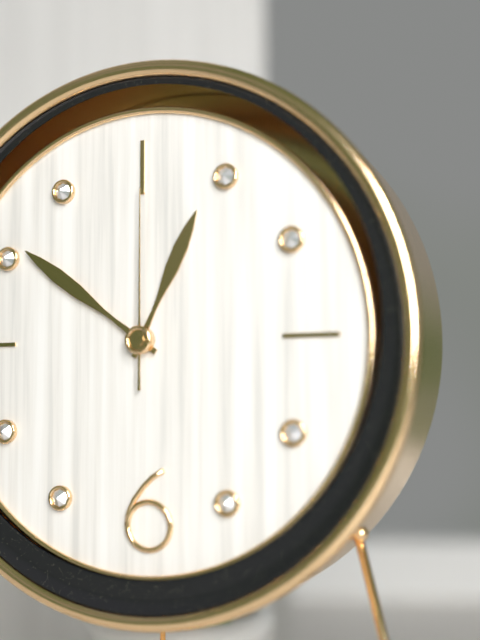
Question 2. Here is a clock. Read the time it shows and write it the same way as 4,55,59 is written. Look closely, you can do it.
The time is 12,51,00
